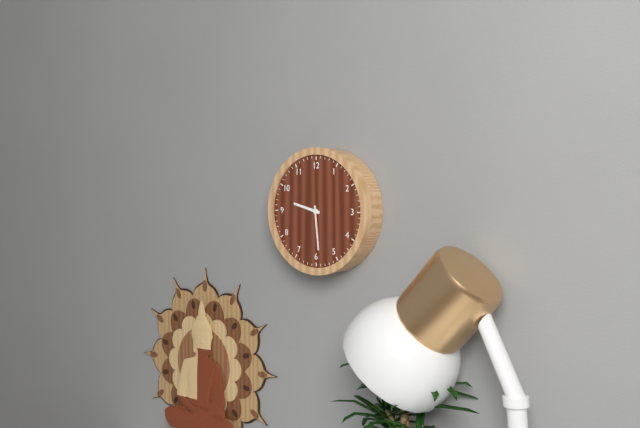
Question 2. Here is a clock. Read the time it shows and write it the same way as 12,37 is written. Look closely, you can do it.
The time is 9,29
